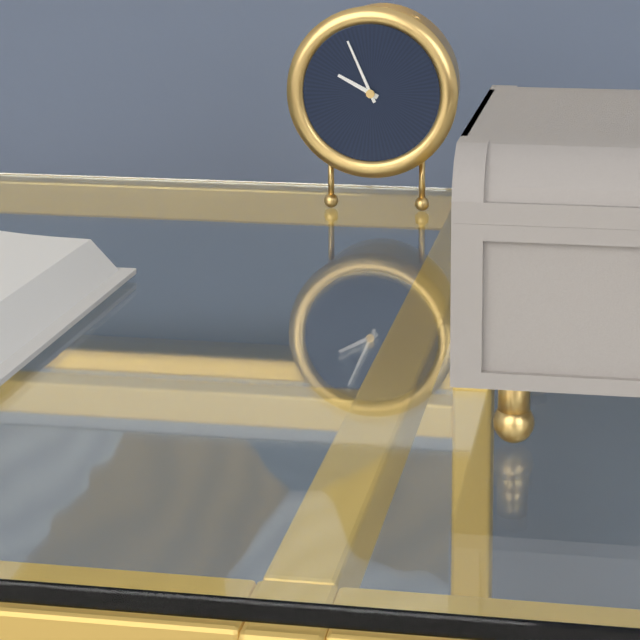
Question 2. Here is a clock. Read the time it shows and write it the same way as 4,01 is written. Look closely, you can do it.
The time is 9,56
